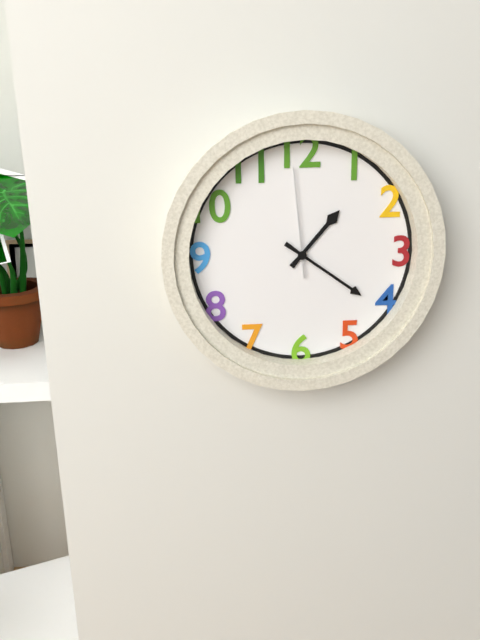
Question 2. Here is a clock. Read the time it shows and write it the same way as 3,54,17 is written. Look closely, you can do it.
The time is 1,21,59
